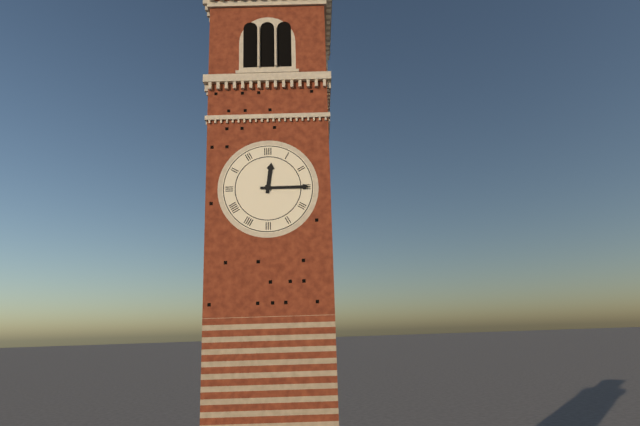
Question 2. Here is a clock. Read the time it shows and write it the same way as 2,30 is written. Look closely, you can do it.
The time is 12,15
